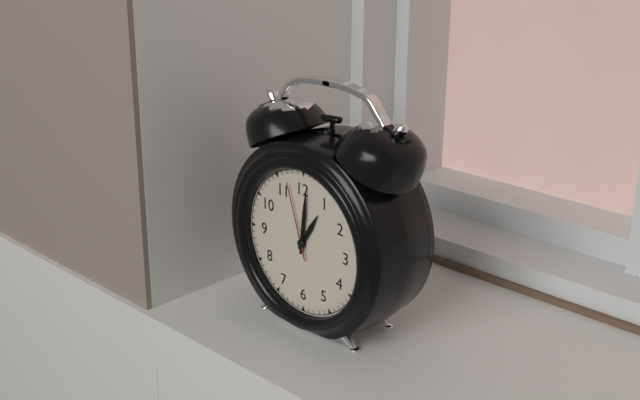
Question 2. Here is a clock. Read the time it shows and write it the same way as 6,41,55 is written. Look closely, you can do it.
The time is 1,01,57
